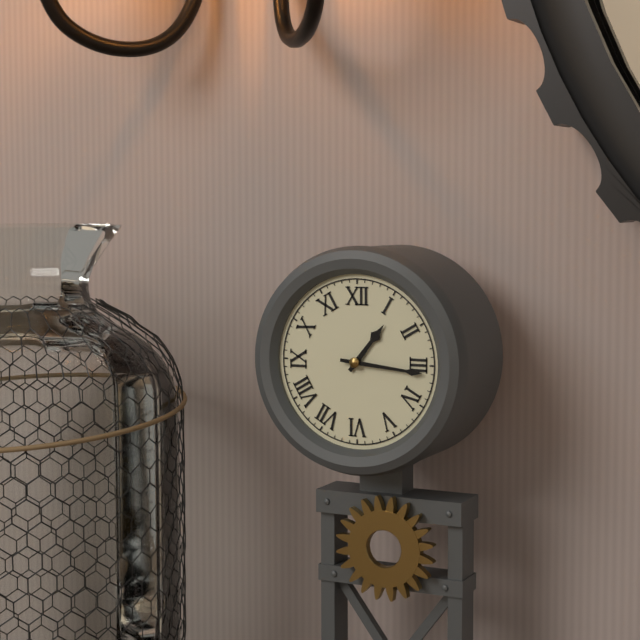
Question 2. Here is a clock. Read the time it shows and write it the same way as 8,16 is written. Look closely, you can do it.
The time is 1,16
